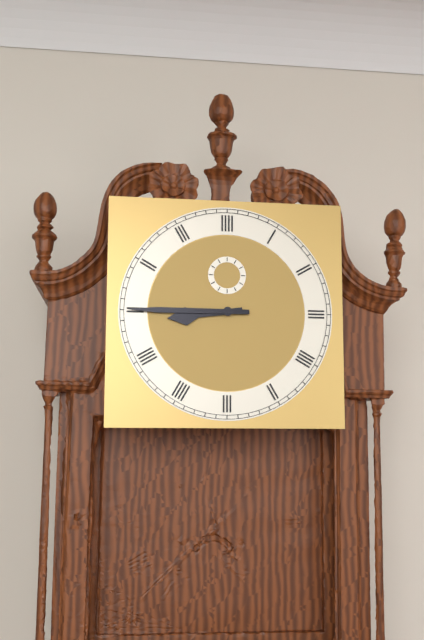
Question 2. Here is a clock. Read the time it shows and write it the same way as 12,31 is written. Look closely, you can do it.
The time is 8,45
